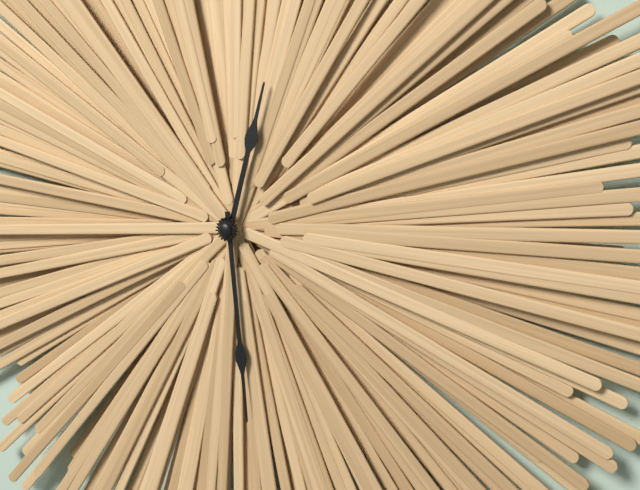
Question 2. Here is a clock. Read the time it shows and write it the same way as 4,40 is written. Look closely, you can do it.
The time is 12,29
